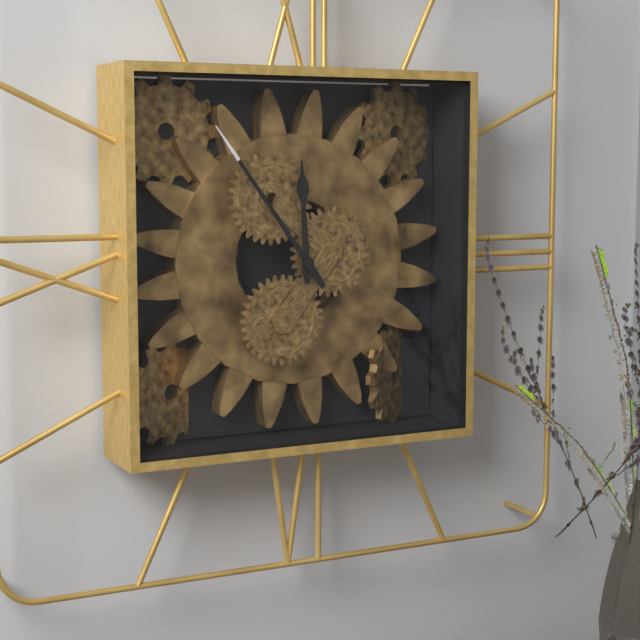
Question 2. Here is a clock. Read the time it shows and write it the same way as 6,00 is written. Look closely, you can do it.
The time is 11,54
